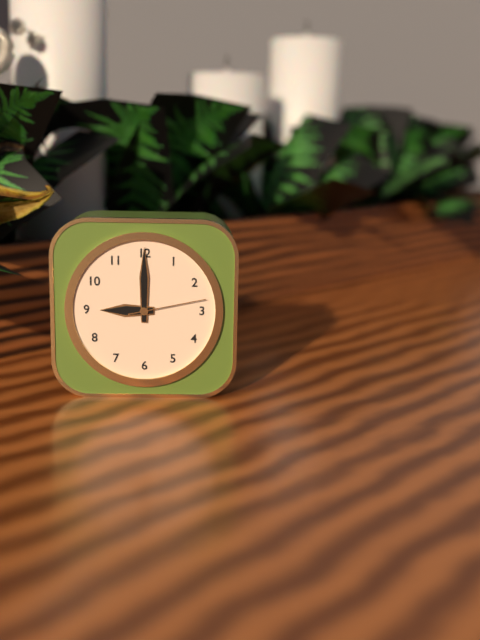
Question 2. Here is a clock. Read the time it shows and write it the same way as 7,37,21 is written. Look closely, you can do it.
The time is 9,00,13
